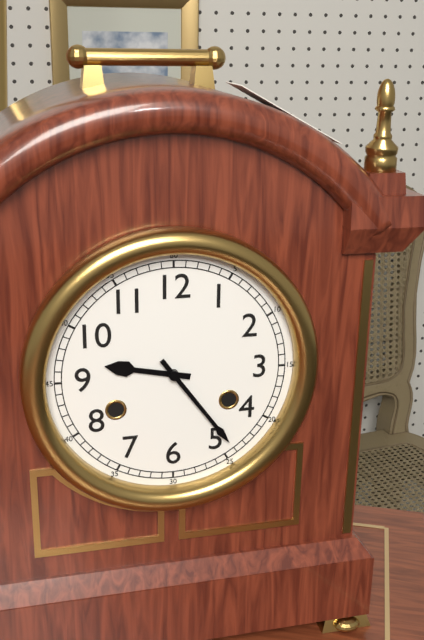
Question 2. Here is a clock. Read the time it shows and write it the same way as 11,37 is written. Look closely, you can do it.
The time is 9,24
